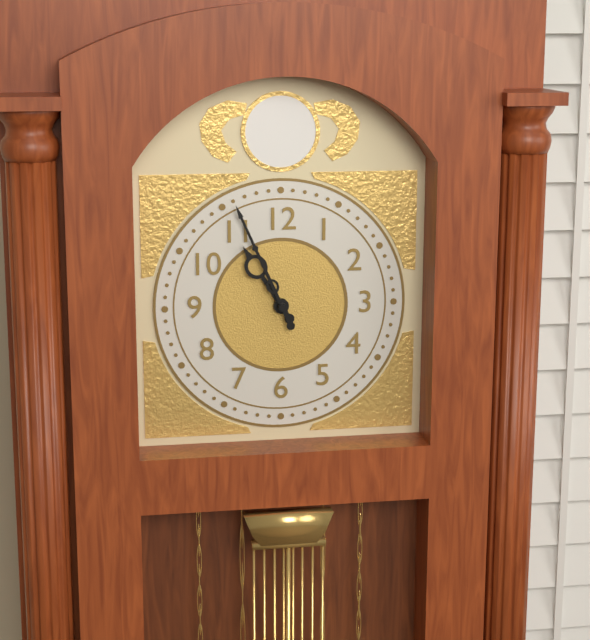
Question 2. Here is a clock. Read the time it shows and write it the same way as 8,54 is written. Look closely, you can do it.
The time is 10,56
